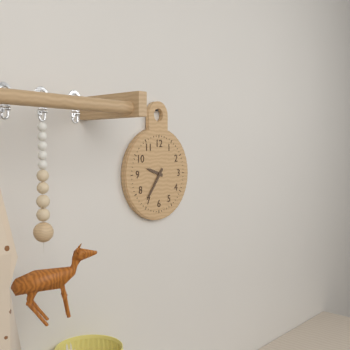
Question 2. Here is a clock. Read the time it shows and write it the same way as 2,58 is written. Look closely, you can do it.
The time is 9,36
